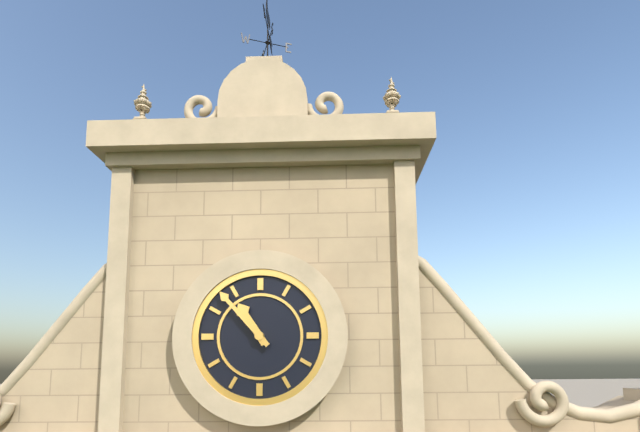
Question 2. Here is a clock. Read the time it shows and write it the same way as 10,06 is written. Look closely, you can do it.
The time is 10,53
